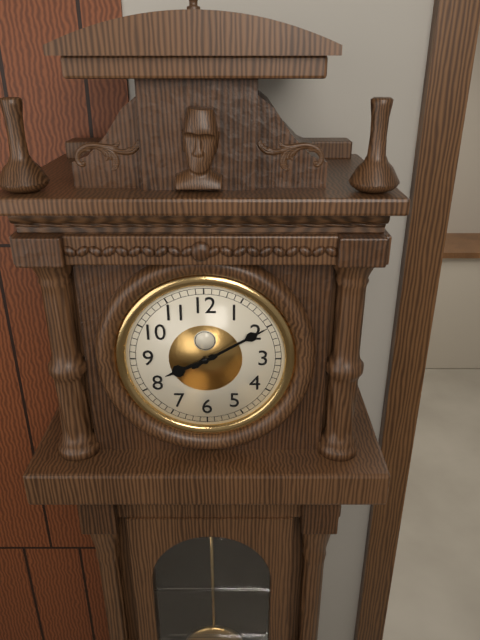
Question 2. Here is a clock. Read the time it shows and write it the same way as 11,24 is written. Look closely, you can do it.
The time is 8,10
